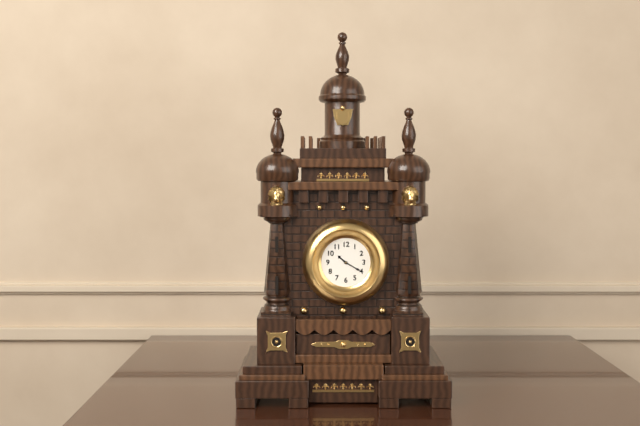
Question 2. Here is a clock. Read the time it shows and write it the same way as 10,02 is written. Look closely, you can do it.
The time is 10,20
